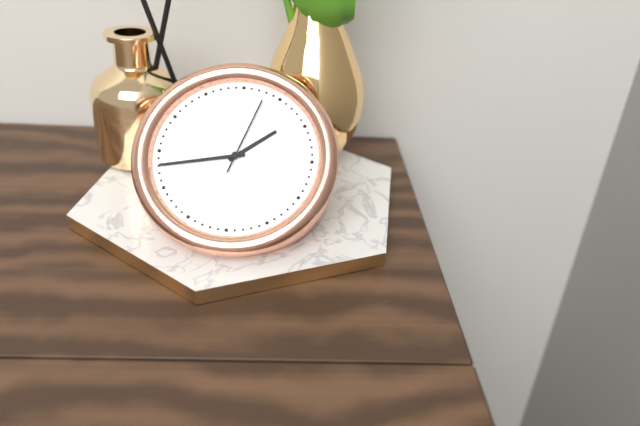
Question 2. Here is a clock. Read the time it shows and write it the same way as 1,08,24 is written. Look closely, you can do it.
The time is 1,43,03
